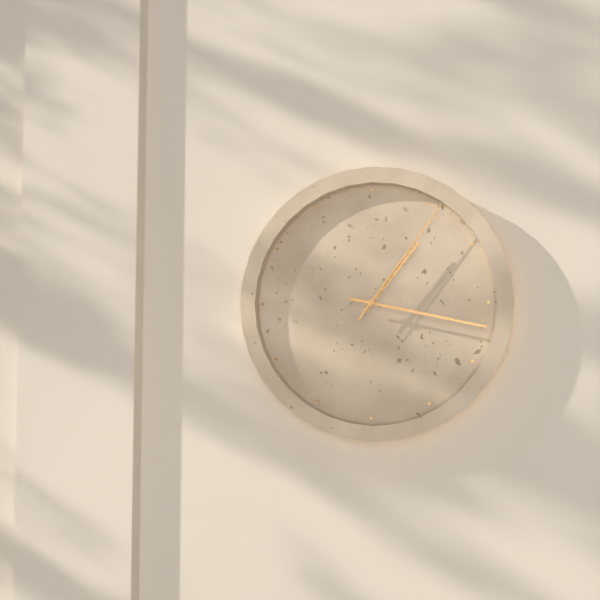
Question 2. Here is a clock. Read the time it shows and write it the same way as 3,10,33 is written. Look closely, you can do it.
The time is 1,17,06
